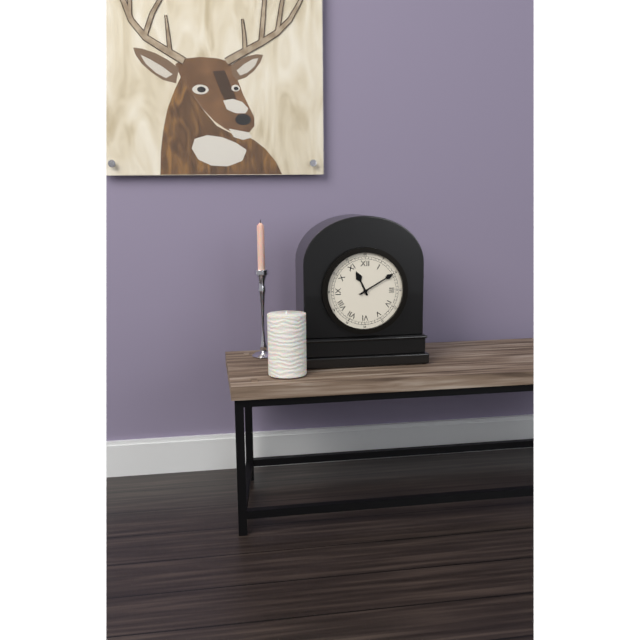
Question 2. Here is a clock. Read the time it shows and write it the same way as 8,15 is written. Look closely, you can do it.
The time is 11,10
